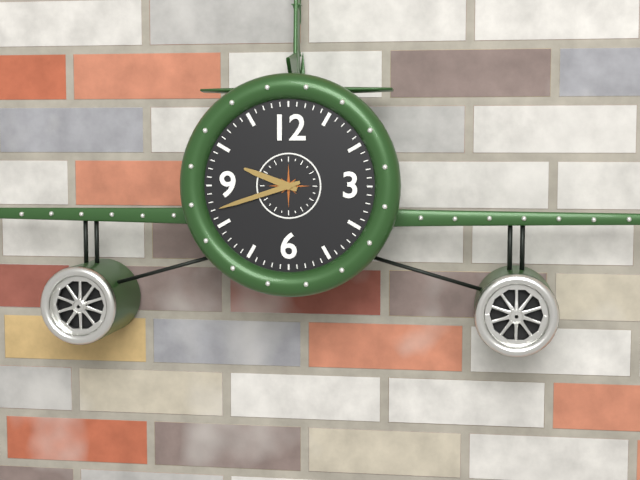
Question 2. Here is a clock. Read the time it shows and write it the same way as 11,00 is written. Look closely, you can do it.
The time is 9,42
